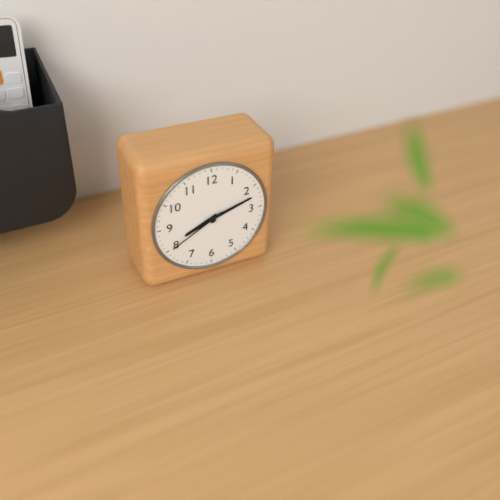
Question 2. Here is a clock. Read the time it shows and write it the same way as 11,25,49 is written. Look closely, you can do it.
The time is 8,12,40
